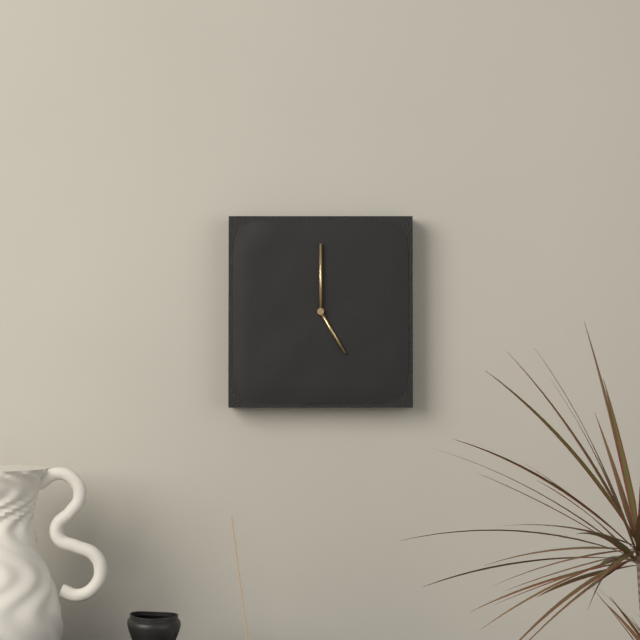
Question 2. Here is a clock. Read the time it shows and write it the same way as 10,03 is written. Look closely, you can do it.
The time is 5,00
